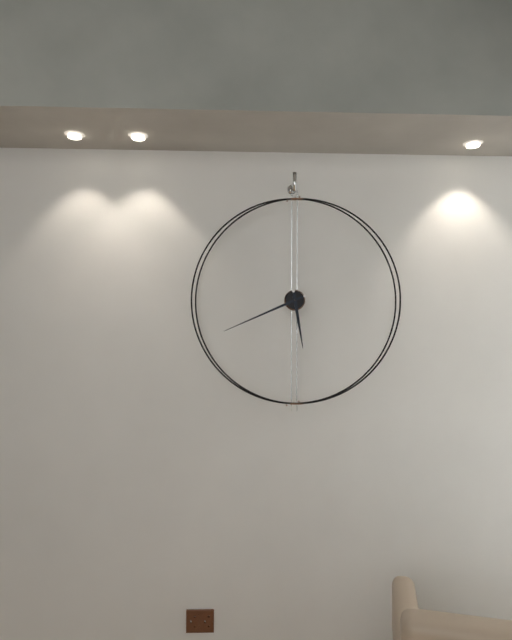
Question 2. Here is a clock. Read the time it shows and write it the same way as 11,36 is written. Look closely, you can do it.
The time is 5,41
